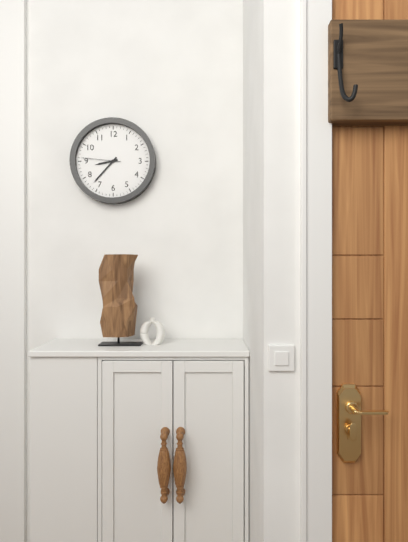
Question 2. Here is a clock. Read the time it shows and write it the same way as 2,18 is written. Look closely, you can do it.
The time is 8,37
